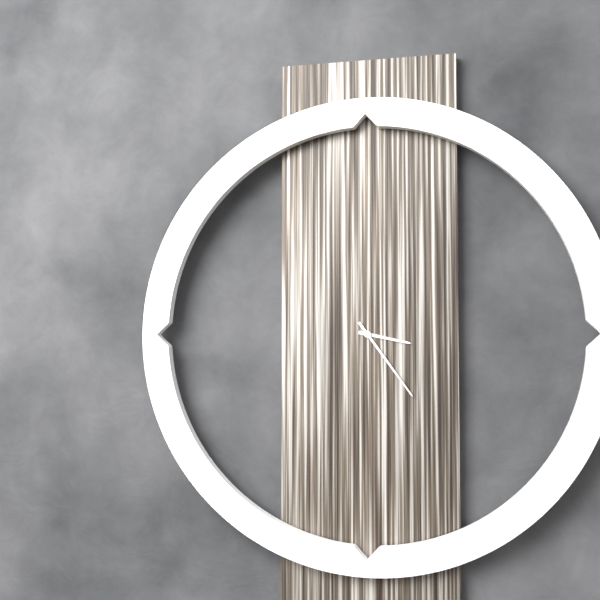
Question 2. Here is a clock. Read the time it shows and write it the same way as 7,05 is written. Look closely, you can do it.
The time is 3,24
